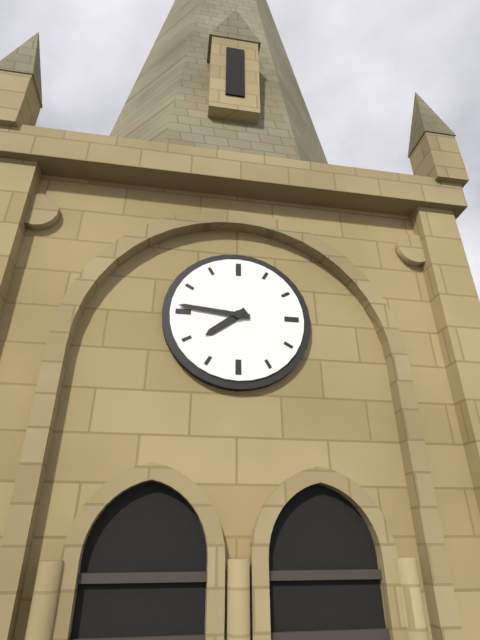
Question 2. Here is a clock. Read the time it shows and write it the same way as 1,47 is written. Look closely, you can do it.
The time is 7,46
